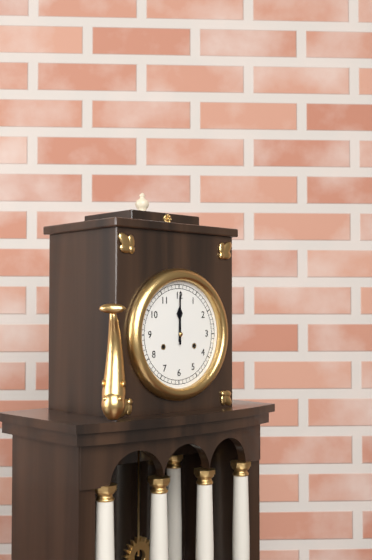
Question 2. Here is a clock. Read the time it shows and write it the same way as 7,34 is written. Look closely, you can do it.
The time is 12,00
